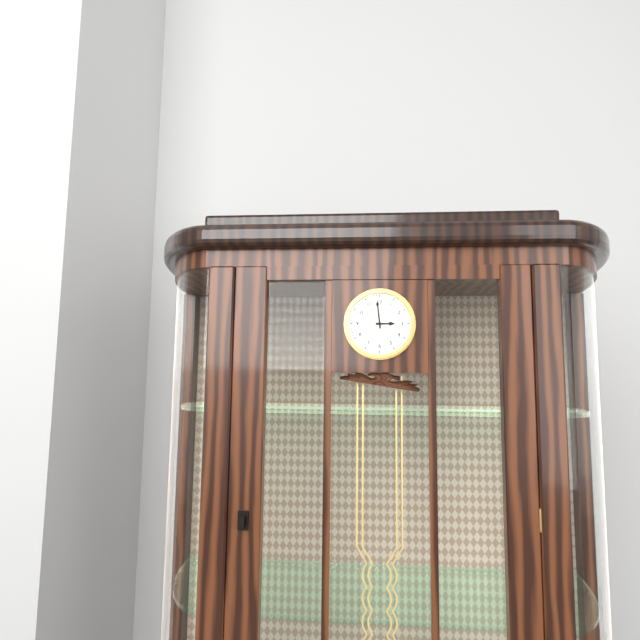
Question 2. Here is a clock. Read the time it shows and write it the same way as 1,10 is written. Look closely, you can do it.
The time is 2,59
